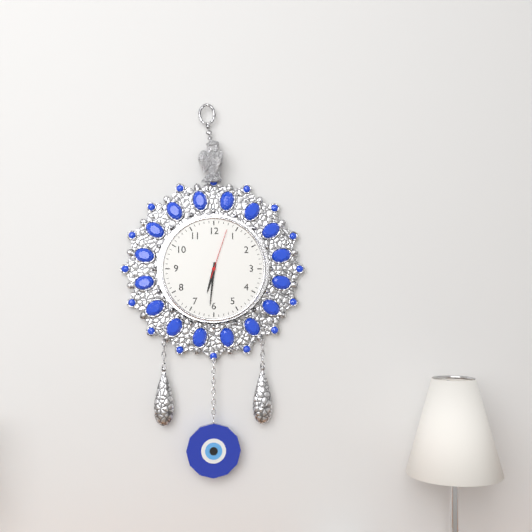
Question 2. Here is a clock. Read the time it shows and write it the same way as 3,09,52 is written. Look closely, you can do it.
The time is 6,31,03
